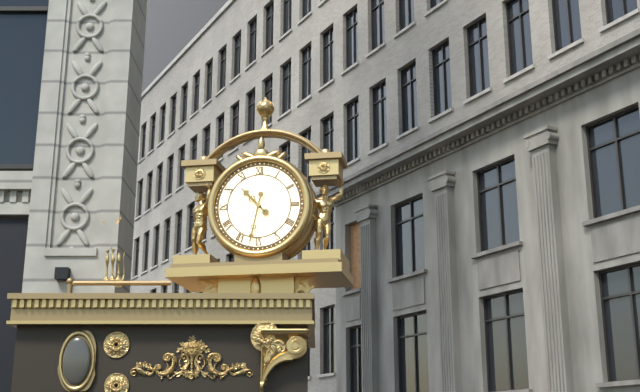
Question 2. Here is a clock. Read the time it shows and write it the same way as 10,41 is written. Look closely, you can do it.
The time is 10,32
